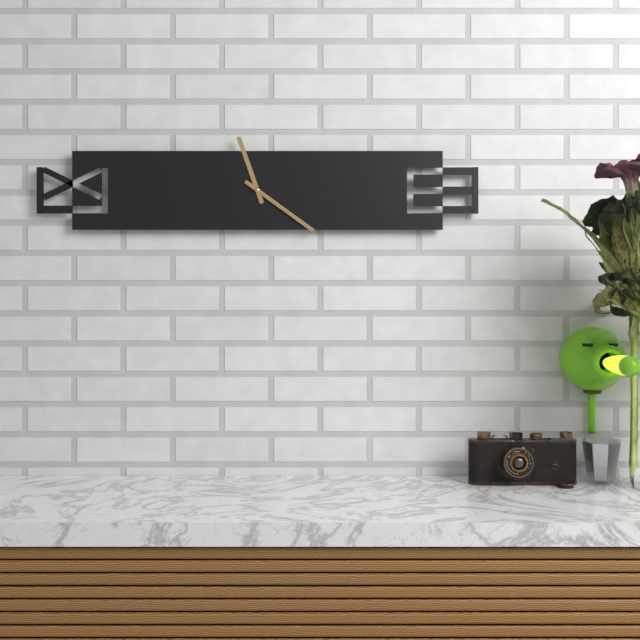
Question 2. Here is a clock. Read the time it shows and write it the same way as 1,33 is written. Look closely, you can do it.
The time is 11,21
